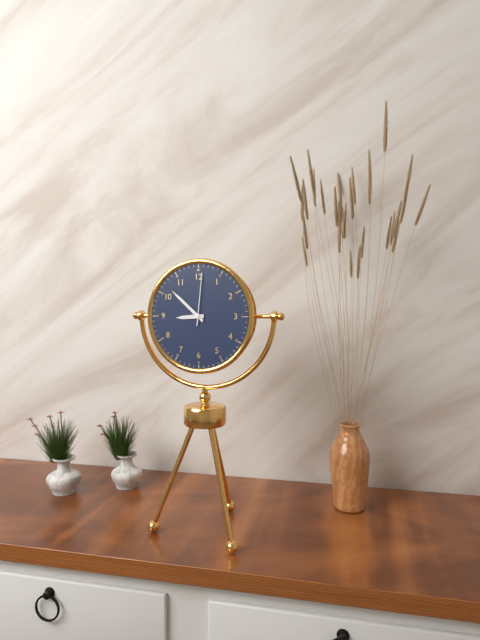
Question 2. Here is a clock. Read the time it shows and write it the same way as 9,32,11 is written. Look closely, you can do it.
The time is 8,52,01
